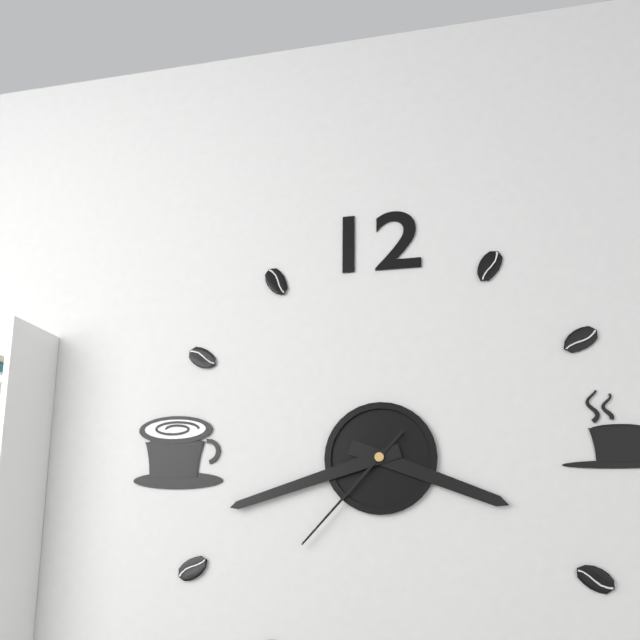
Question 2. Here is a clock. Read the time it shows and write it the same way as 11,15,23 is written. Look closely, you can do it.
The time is 3,42,37
